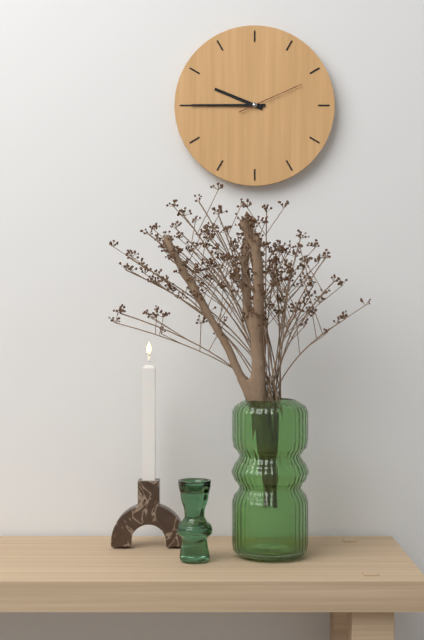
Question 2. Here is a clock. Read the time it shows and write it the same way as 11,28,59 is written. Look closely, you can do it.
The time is 9,45,11
